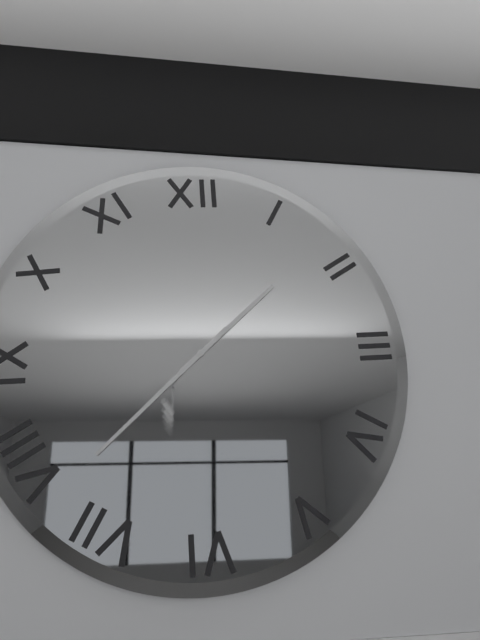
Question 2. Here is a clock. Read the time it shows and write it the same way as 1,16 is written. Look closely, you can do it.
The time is 1,38
